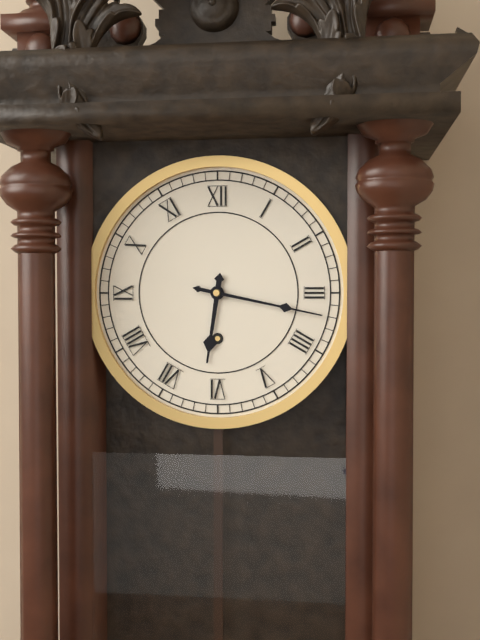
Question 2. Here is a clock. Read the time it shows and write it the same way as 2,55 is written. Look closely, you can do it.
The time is 6,17
